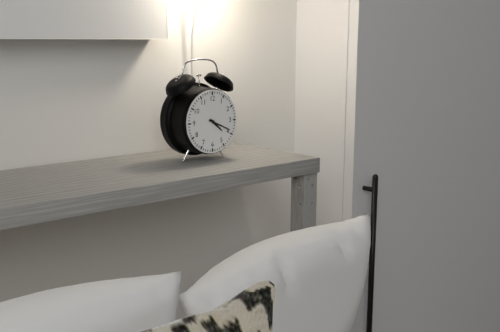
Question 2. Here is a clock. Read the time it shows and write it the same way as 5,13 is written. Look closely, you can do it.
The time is 4,19
